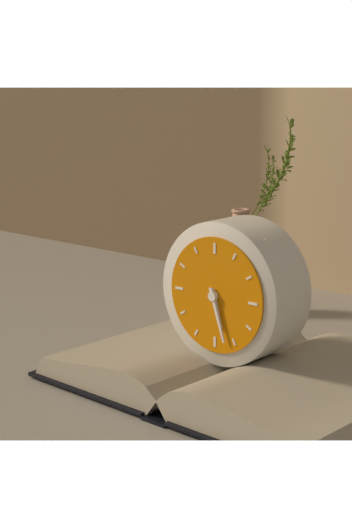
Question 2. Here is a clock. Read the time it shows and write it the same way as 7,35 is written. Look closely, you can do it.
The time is 5,27
